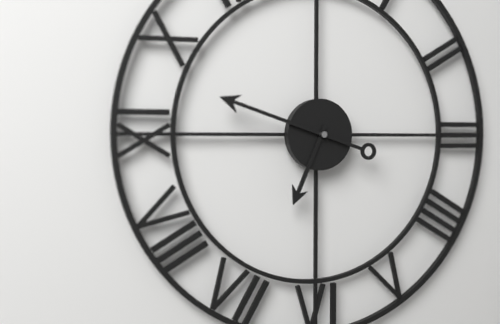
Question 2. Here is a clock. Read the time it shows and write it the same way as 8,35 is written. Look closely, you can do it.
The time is 6,48
